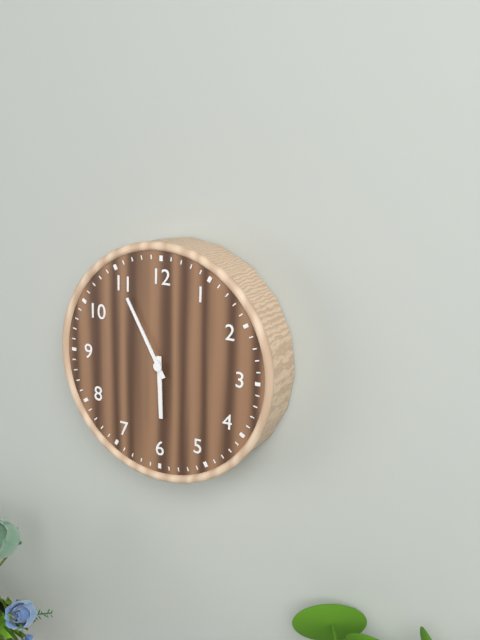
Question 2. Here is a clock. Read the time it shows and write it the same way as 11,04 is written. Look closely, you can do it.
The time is 5,55
